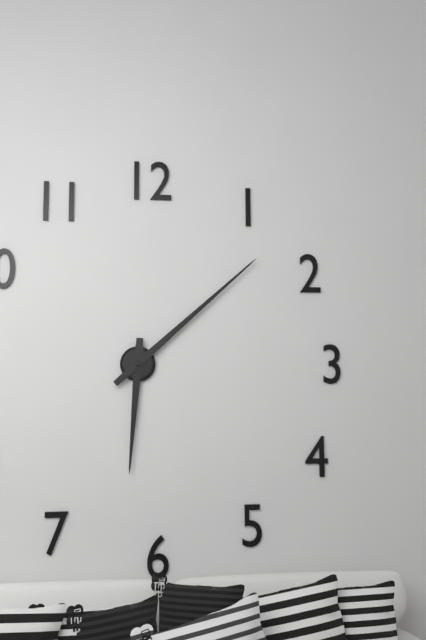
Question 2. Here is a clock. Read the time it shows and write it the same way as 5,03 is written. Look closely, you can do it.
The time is 6,08
